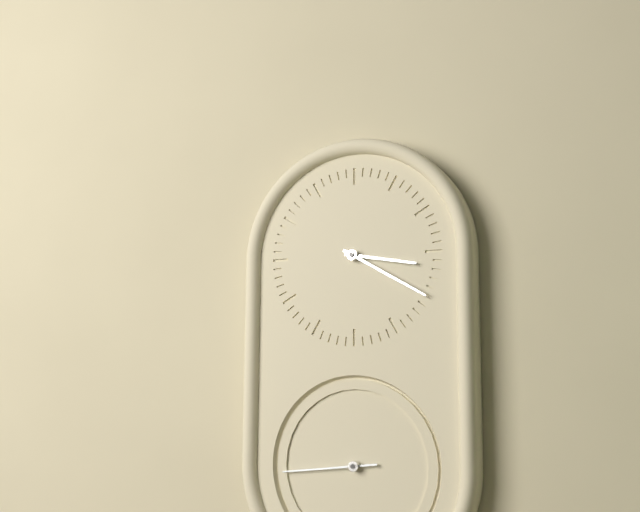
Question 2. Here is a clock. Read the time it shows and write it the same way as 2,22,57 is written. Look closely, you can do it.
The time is 3,20,44
